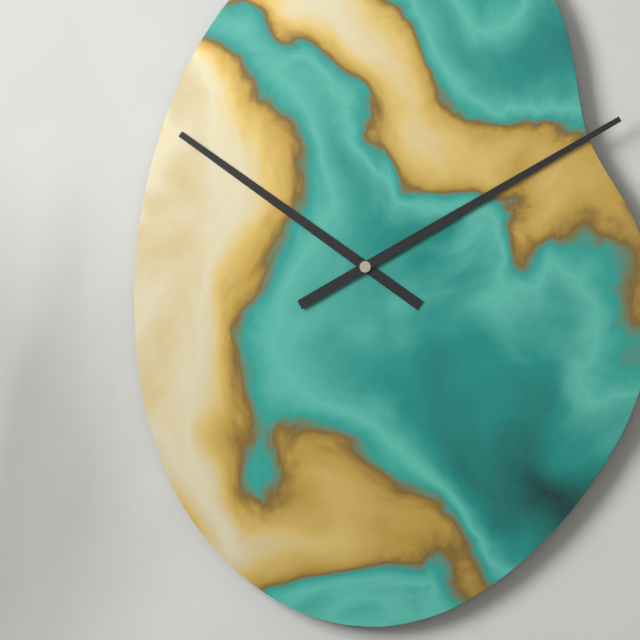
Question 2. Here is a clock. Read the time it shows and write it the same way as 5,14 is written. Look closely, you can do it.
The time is 10,10
